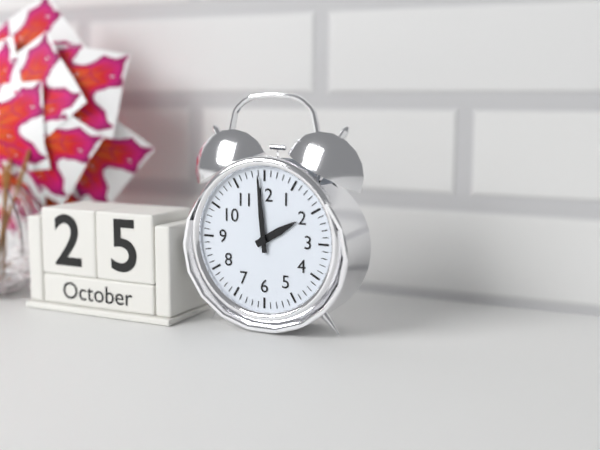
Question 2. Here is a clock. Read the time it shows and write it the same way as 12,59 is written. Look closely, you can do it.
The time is 1,59
